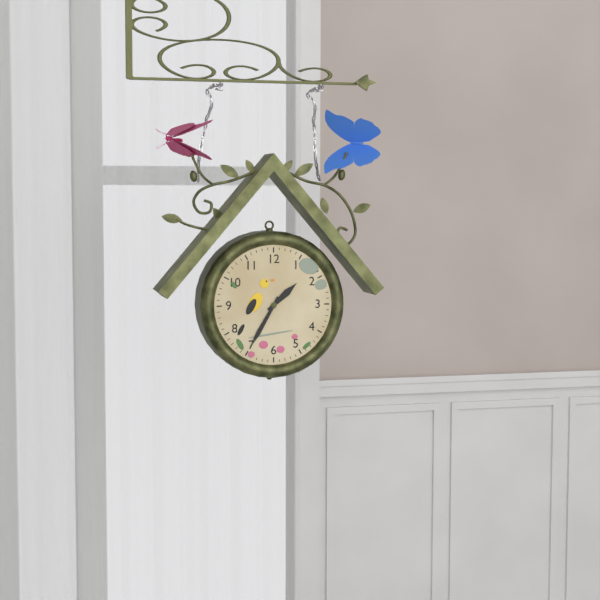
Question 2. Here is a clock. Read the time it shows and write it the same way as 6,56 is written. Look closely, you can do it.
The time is 1,35
